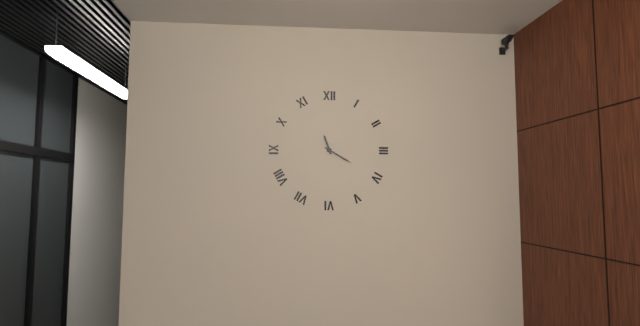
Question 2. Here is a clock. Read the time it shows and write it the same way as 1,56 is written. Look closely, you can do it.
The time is 11,20
